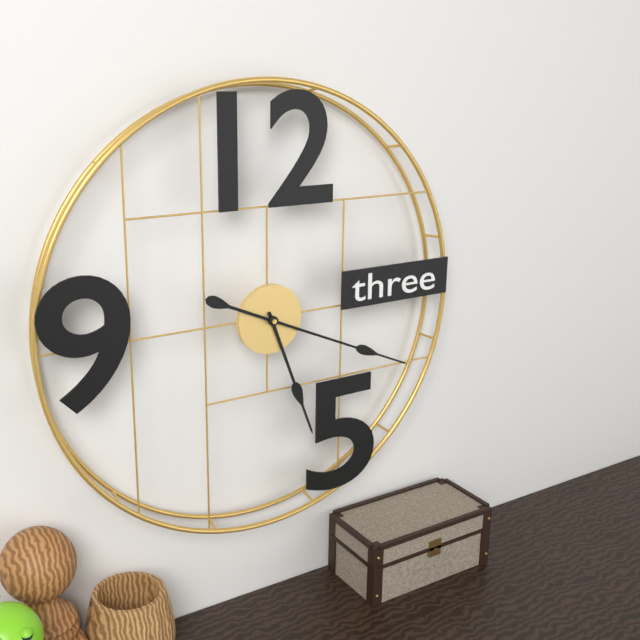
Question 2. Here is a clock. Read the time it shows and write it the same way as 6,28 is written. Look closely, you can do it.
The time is 5,19
